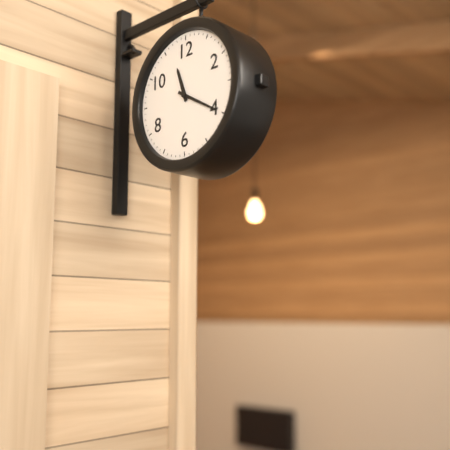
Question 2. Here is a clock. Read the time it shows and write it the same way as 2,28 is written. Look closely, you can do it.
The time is 11,20
